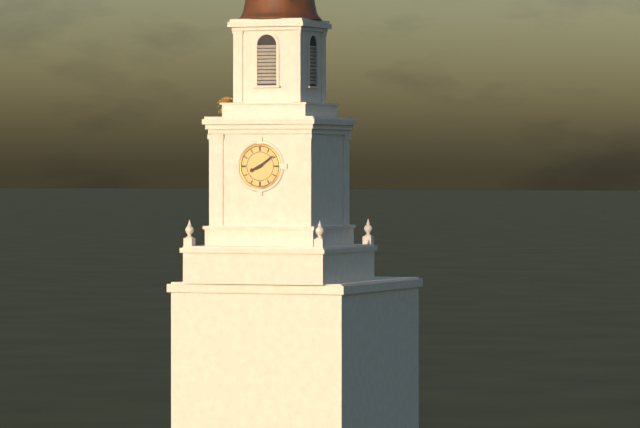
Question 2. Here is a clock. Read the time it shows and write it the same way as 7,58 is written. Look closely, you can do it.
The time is 8,09
